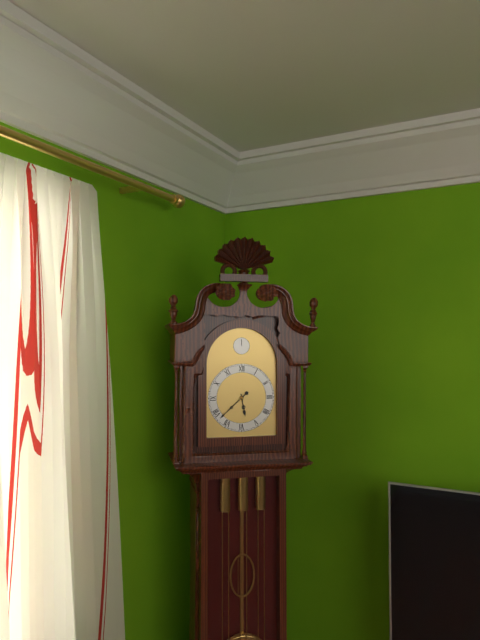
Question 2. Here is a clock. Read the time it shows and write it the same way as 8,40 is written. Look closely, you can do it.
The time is 5,38
